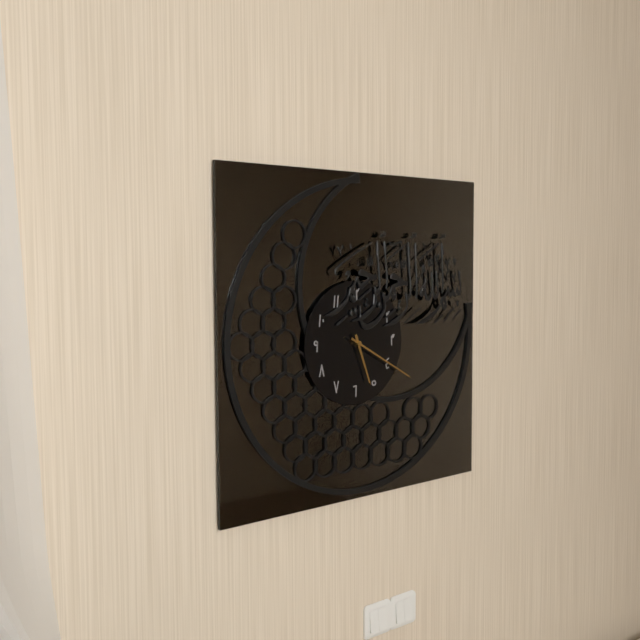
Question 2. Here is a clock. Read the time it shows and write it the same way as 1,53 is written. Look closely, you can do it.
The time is 5,20
